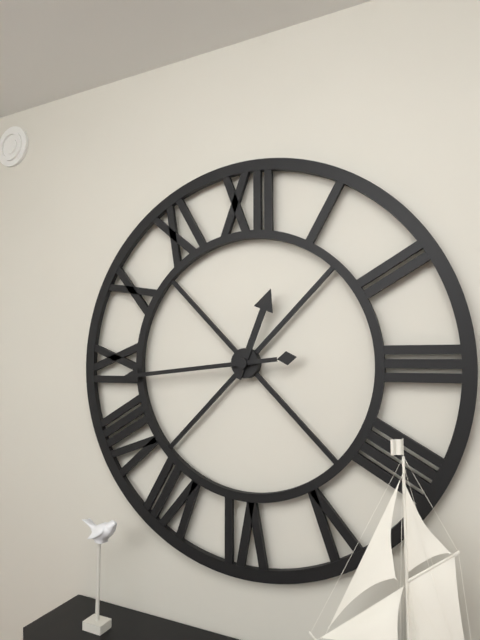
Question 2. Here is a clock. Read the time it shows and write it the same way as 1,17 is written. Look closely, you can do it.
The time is 12,44
